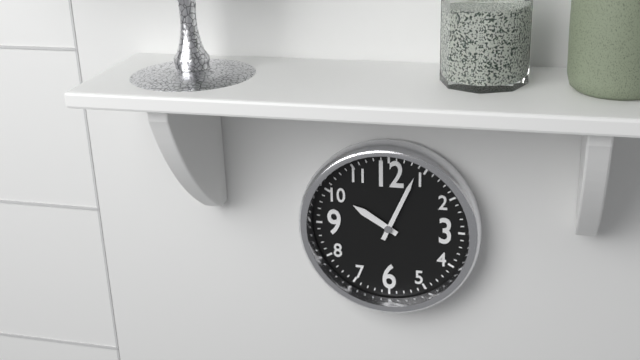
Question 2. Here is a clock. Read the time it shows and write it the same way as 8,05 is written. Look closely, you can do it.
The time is 10,04
